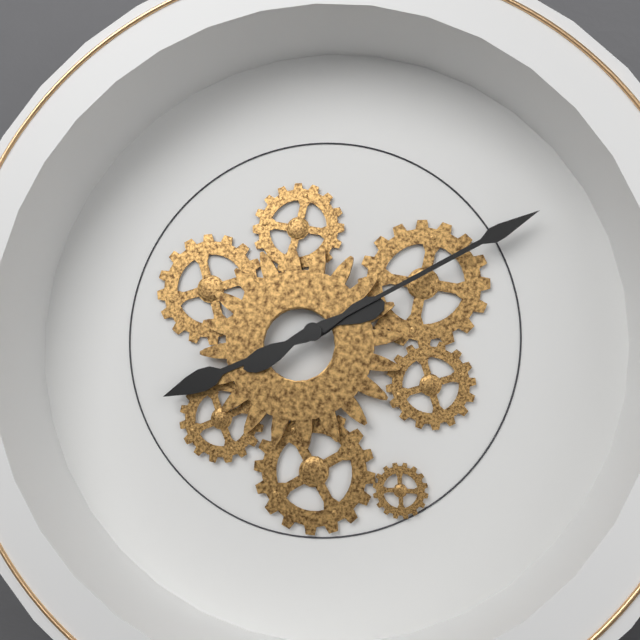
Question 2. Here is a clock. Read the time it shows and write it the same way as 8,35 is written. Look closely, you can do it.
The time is 8,10
